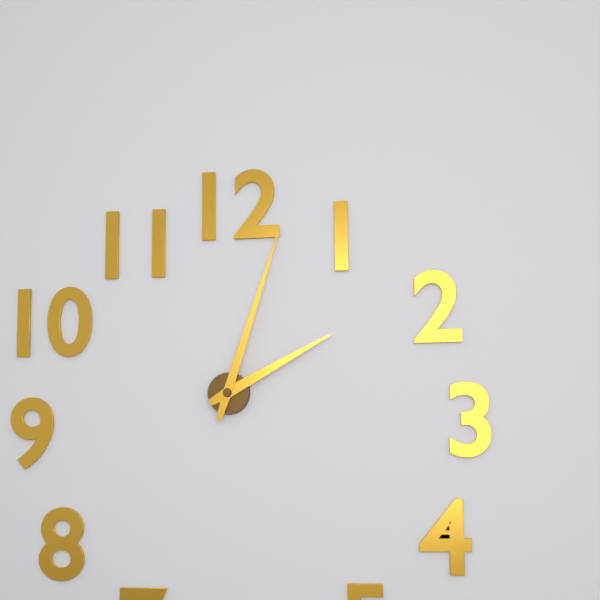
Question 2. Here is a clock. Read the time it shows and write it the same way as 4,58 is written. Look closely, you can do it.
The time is 2,03
